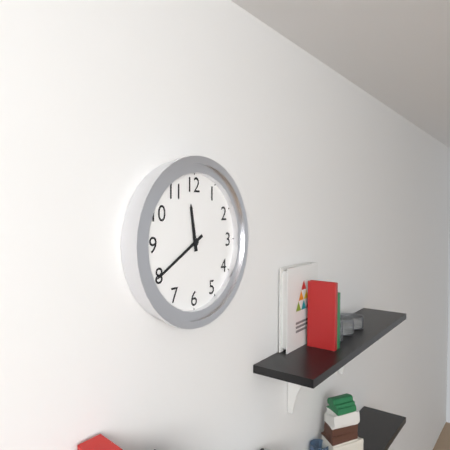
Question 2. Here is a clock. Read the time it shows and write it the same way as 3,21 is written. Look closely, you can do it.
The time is 11,40
